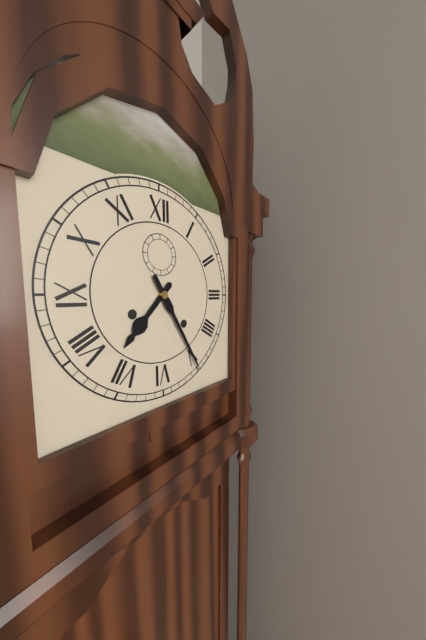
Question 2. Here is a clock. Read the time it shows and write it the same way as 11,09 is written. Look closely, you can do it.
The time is 7,25
